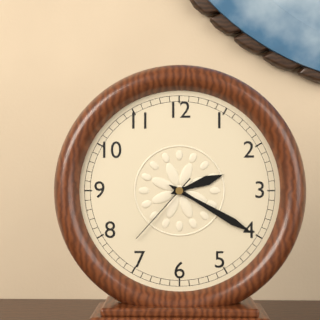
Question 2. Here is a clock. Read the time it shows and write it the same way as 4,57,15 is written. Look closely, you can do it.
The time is 2,20,37
